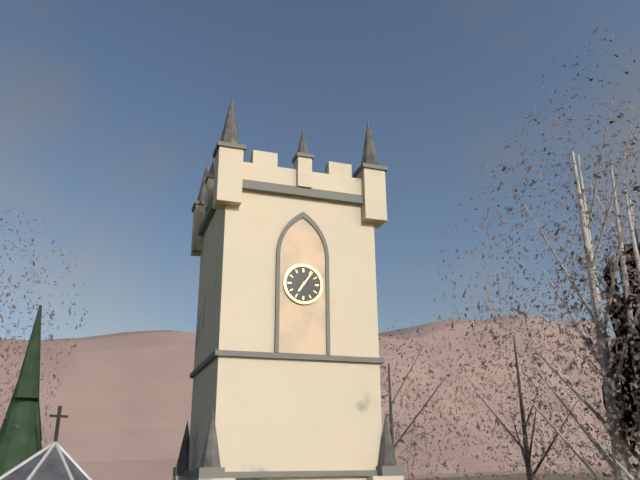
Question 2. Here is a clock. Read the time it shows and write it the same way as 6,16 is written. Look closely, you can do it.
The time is 7,06
